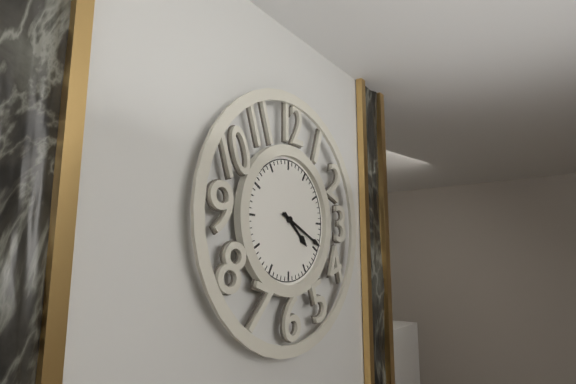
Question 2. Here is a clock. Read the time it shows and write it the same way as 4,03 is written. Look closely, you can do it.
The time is 4,19
